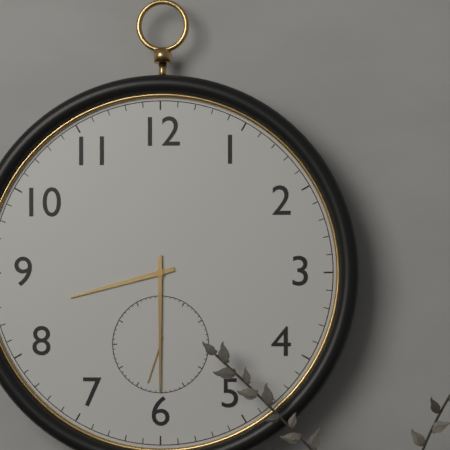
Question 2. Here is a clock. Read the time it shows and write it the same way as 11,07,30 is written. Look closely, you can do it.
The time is 8,30,33
